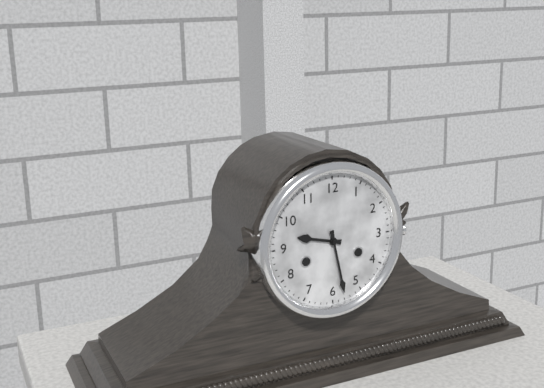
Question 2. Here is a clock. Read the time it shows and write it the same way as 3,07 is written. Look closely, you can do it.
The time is 9,28
